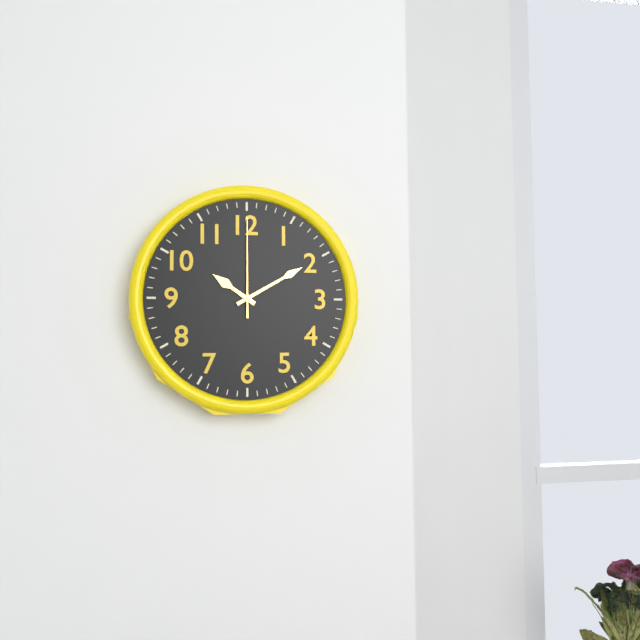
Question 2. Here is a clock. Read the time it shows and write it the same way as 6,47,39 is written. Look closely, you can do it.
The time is 10,10,00
